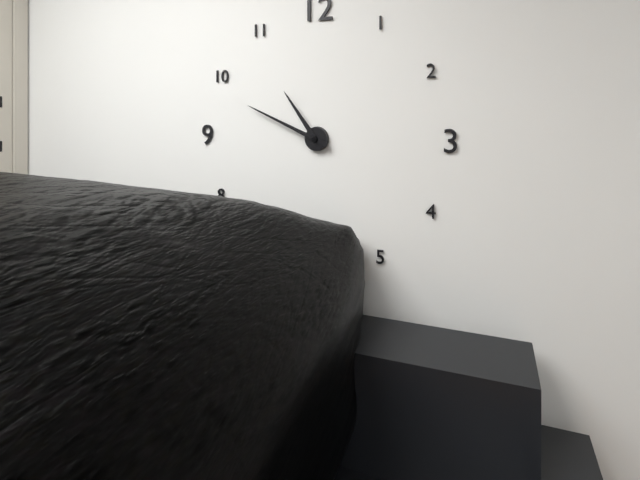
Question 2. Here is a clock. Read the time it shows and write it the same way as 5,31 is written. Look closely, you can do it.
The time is 10,49
